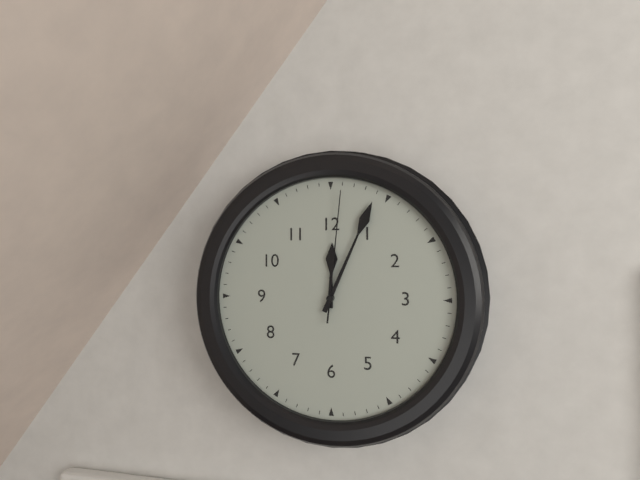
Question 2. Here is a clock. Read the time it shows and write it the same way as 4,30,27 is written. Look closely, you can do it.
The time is 12,04,01
